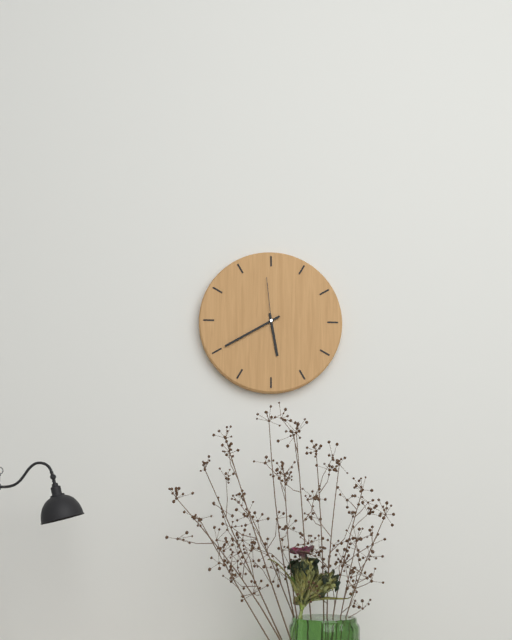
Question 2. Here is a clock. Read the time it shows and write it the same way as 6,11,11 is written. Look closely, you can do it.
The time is 5,40,59
